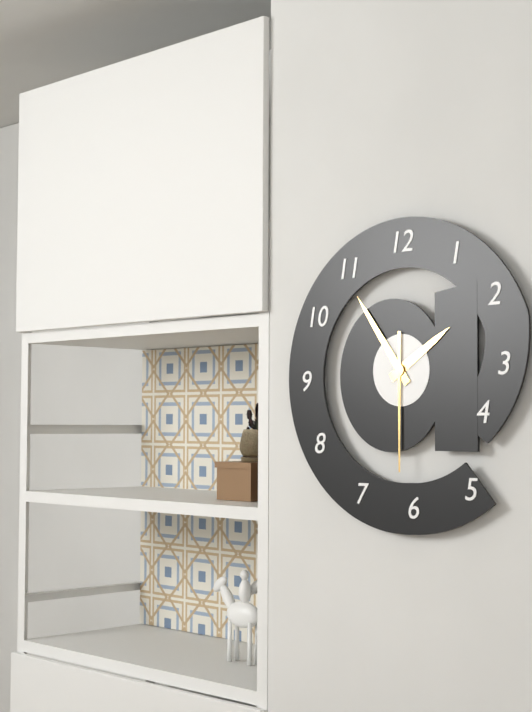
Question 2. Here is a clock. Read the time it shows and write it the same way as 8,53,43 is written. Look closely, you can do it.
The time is 1,54,30
